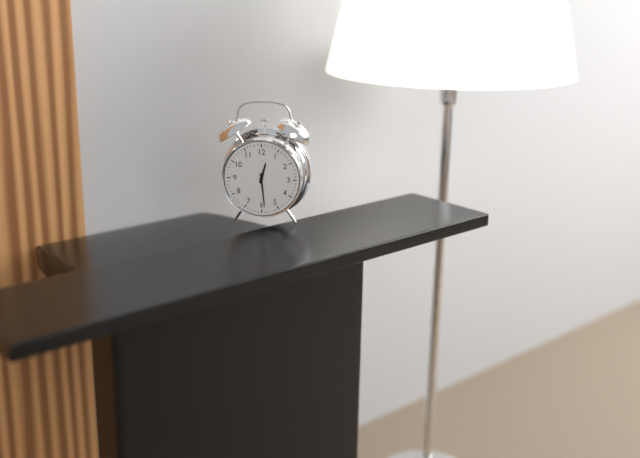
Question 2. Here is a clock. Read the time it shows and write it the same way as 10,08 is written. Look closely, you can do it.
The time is 12,29
